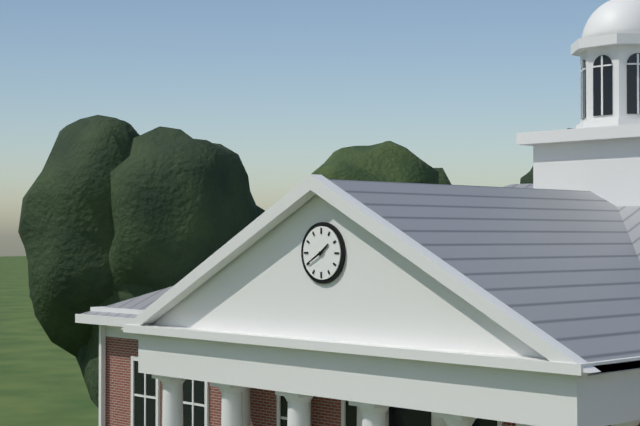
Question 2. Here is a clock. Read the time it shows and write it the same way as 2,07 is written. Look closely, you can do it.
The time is 1,40
